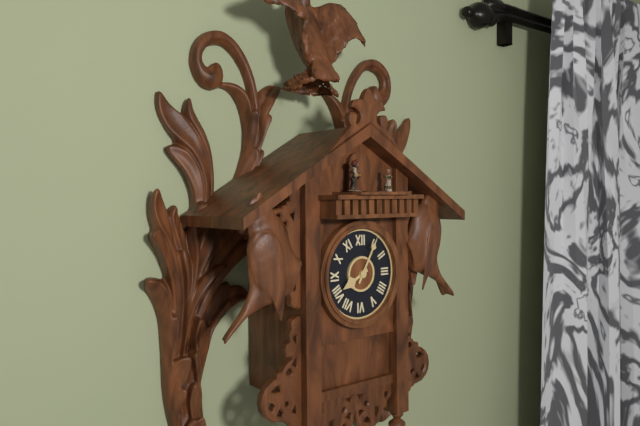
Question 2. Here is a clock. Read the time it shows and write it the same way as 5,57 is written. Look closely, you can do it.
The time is 8,05
